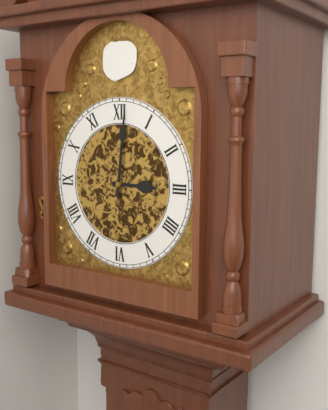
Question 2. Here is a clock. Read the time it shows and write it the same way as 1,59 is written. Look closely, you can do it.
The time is 3,01
